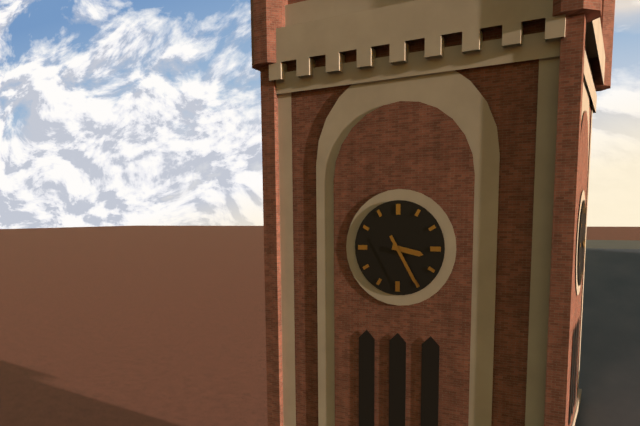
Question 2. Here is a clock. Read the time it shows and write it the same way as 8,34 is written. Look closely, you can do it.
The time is 3,25
